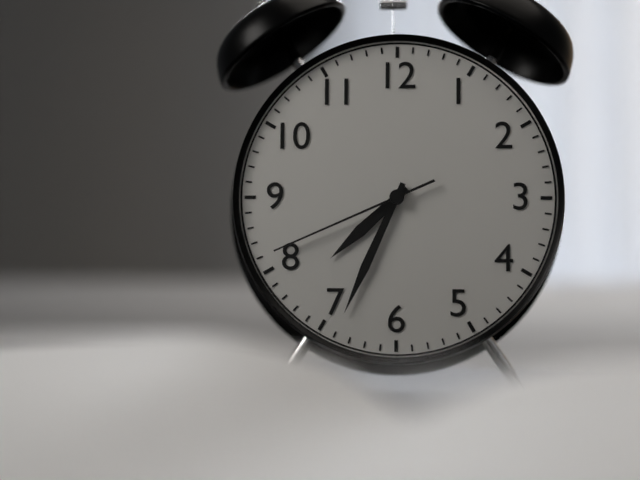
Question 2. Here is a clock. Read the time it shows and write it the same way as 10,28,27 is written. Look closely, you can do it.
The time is 7,34,41
